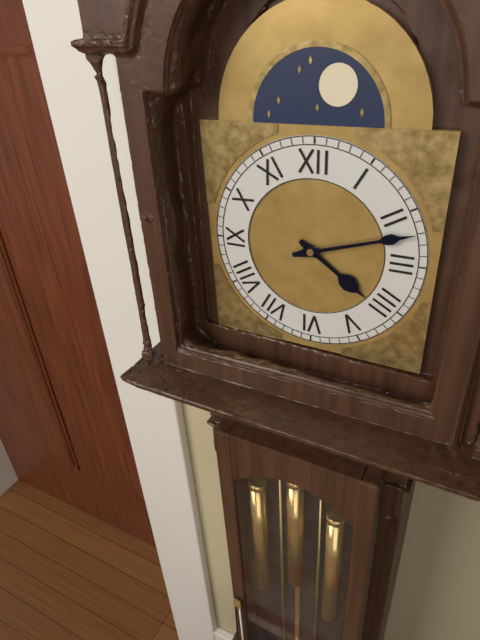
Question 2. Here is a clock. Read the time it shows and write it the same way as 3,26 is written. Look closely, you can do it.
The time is 4,12
